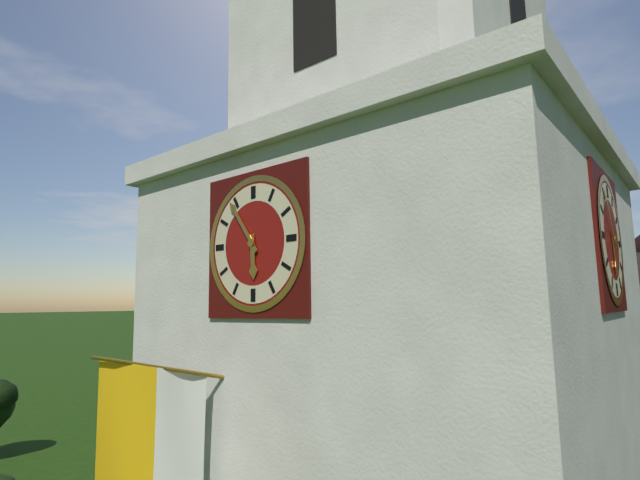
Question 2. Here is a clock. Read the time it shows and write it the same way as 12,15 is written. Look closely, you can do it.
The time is 5,54
